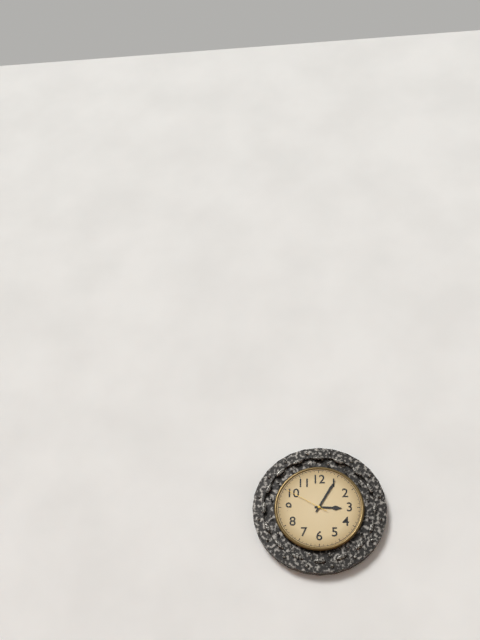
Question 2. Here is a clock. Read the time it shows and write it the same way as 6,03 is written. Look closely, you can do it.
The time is 3,05
